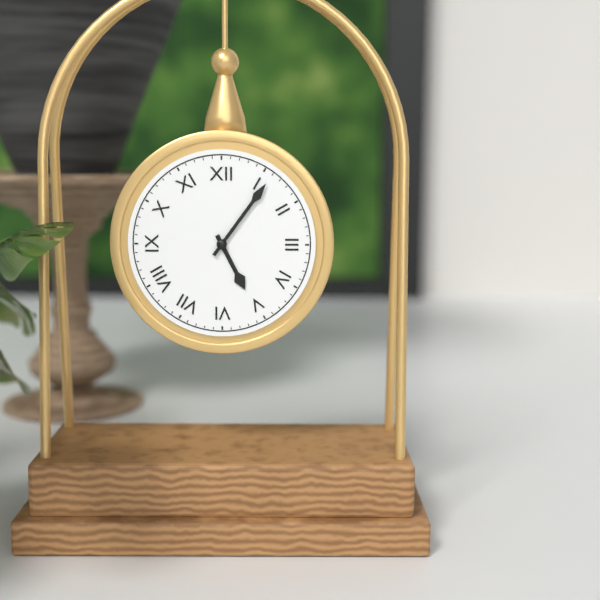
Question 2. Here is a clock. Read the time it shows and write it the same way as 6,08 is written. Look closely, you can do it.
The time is 5,06
